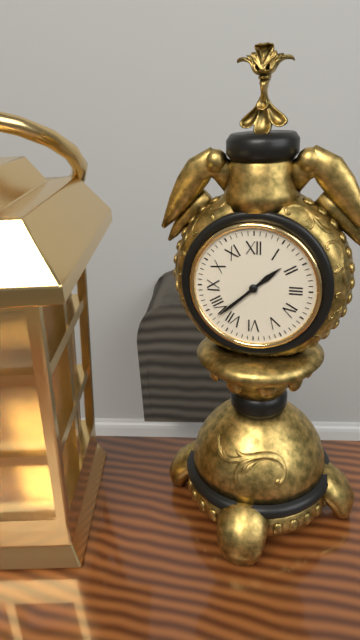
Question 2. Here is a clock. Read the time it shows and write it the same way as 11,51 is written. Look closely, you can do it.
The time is 1,38
